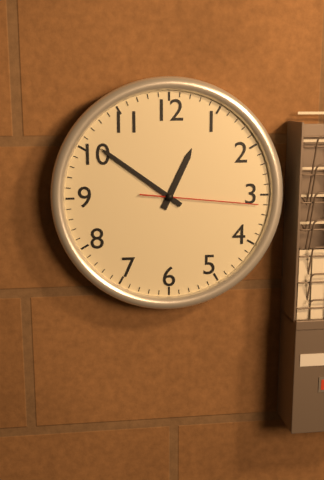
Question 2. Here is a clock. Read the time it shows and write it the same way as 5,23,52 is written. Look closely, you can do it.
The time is 12,51,16
